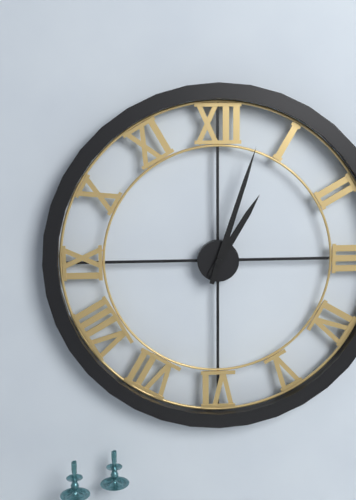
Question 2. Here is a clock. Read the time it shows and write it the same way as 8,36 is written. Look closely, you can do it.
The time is 1,03
